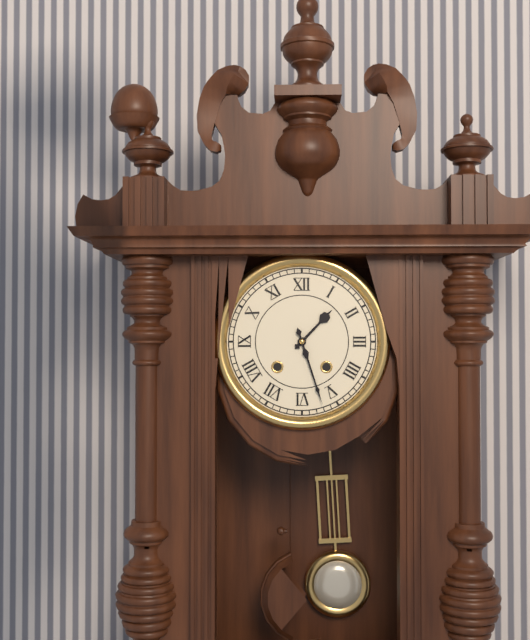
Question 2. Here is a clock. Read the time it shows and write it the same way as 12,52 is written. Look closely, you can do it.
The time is 1,27
